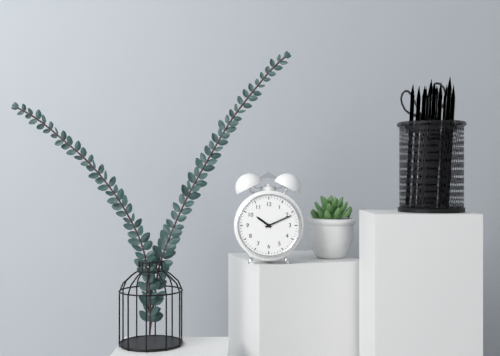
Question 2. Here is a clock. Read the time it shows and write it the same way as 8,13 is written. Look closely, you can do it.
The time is 10,11
